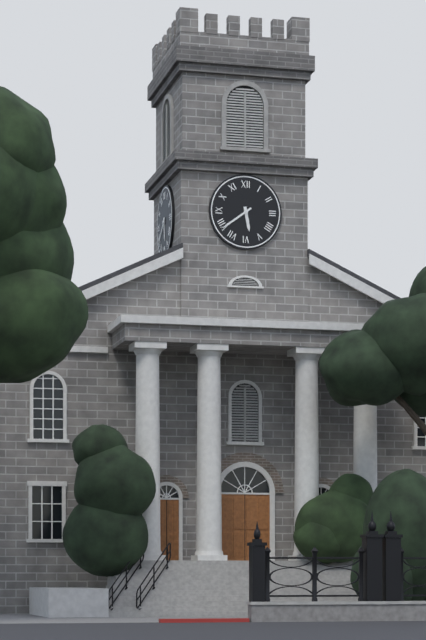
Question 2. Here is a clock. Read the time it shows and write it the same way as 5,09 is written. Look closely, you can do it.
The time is 5,39
